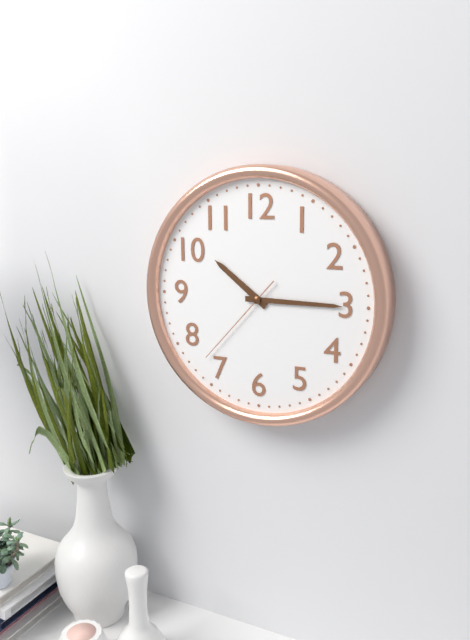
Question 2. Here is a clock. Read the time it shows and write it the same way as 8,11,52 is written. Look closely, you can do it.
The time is 10,15,37
